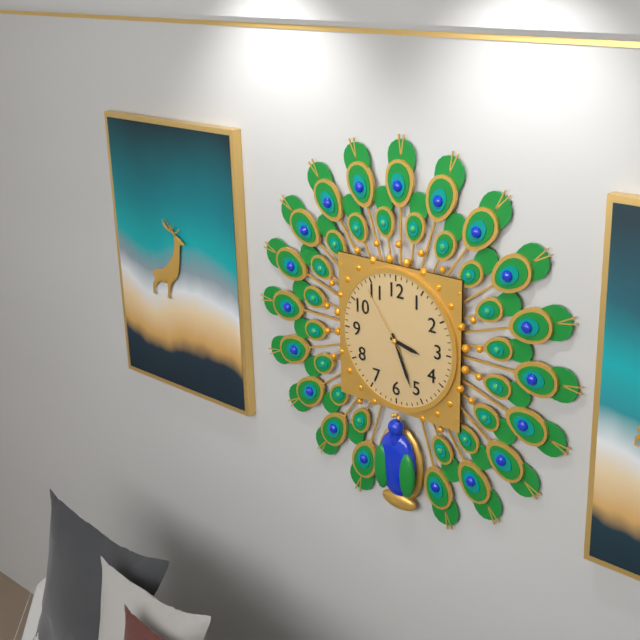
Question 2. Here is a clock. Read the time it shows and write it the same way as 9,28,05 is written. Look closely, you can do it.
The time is 3,26,54
